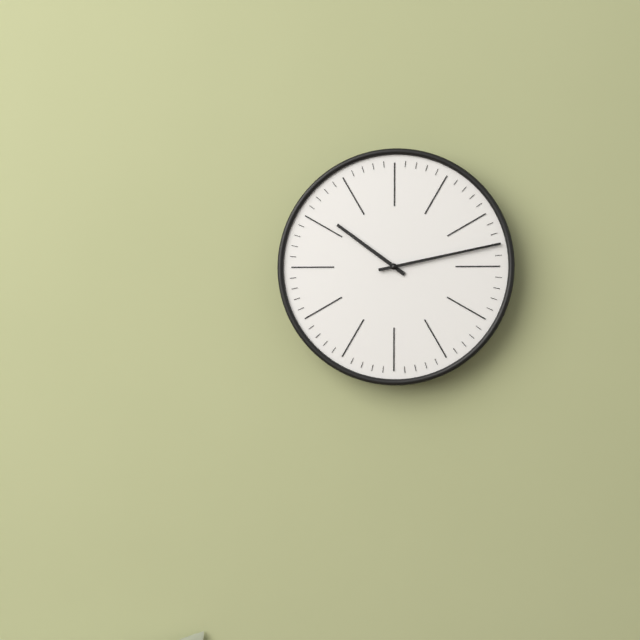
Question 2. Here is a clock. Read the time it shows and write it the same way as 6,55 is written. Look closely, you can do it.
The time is 10,13
